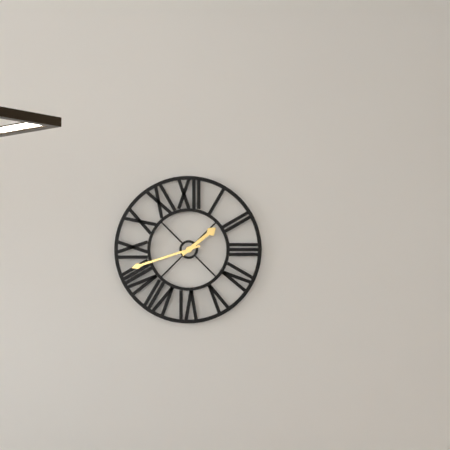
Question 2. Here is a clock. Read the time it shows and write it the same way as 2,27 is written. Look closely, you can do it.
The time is 1,42
